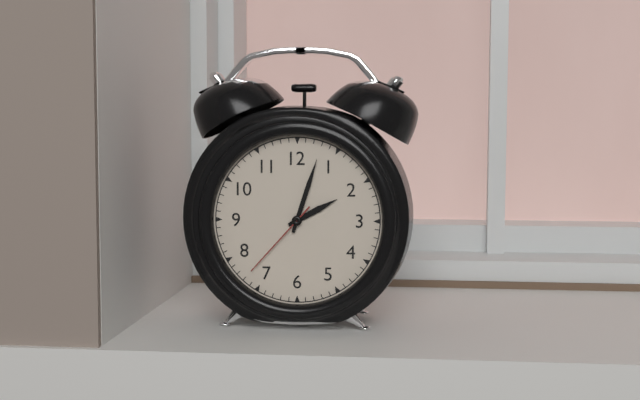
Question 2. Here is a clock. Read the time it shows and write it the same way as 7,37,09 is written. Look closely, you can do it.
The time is 2,03,37
